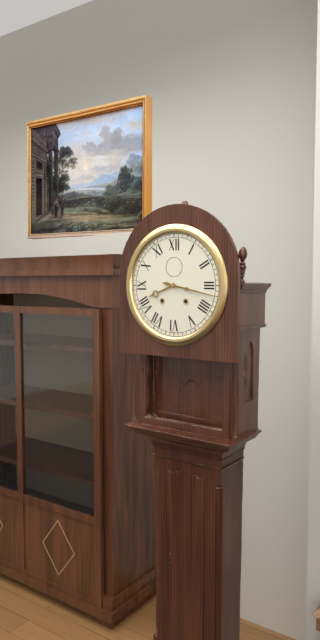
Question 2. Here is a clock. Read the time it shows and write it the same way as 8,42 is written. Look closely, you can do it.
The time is 8,17
